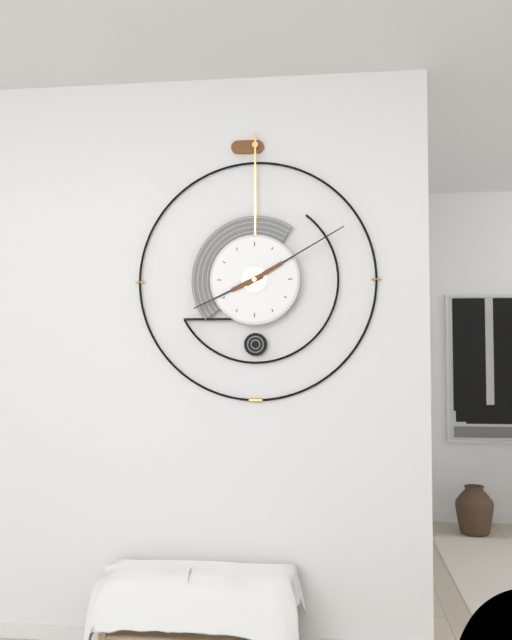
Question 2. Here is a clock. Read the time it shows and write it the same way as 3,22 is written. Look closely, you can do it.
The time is 8,10
